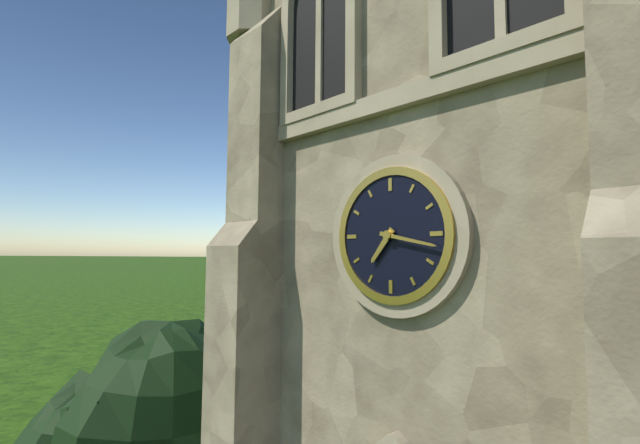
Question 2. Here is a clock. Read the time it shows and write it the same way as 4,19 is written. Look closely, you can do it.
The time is 7,17
